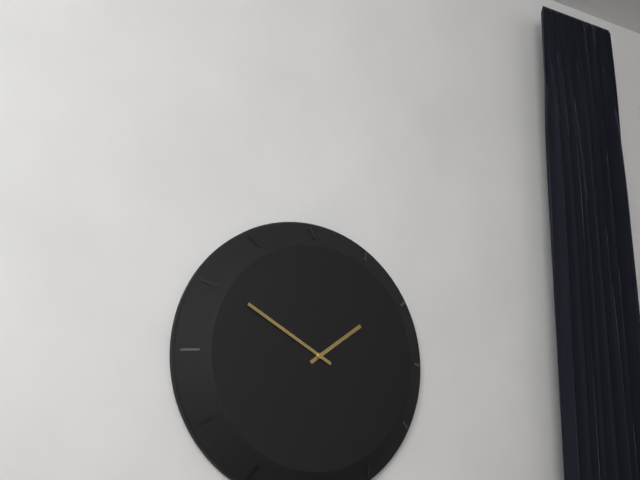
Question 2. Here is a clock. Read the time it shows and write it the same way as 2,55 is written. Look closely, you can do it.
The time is 1,50
